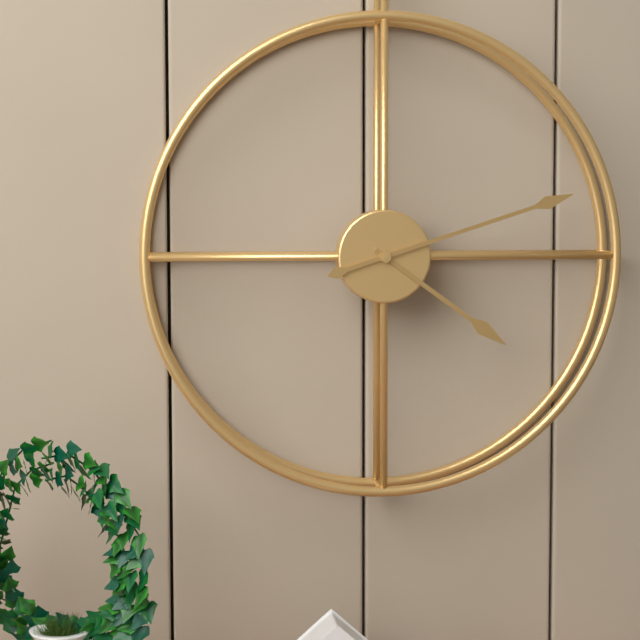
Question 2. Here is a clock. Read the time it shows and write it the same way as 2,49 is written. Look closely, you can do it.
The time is 4,12
